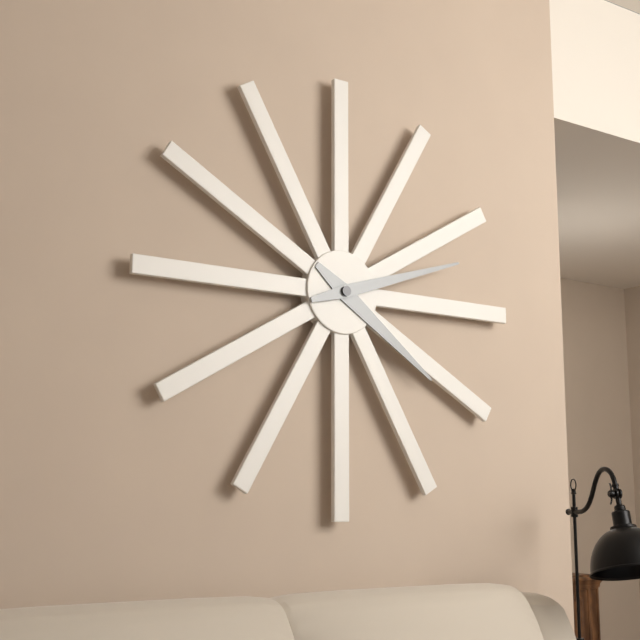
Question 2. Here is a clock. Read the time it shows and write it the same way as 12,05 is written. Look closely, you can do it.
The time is 4,12
